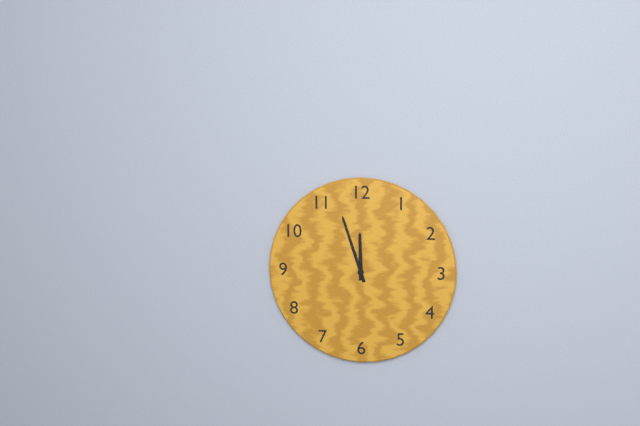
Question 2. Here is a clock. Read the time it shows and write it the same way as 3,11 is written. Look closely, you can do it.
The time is 11,57
